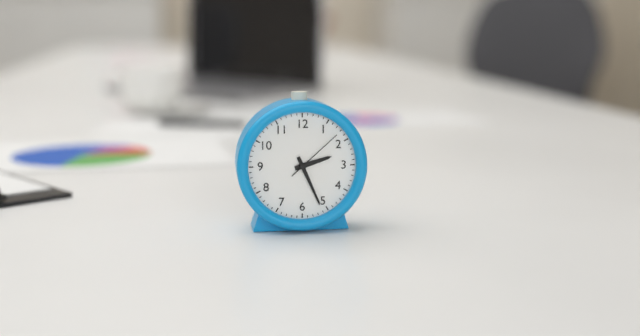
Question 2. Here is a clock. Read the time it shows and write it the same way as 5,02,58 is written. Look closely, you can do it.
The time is 2,26,08
